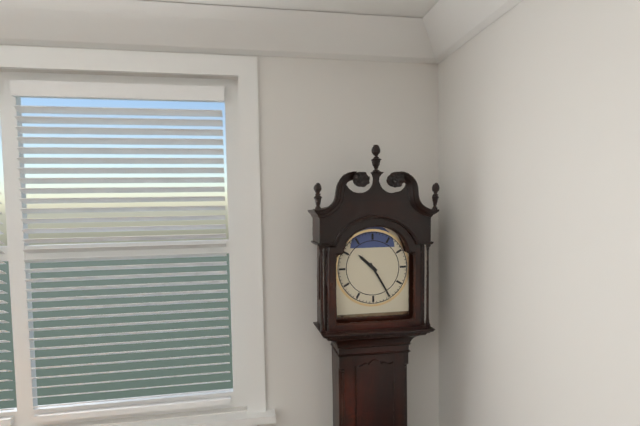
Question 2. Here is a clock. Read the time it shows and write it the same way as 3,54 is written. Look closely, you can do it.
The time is 10,25
